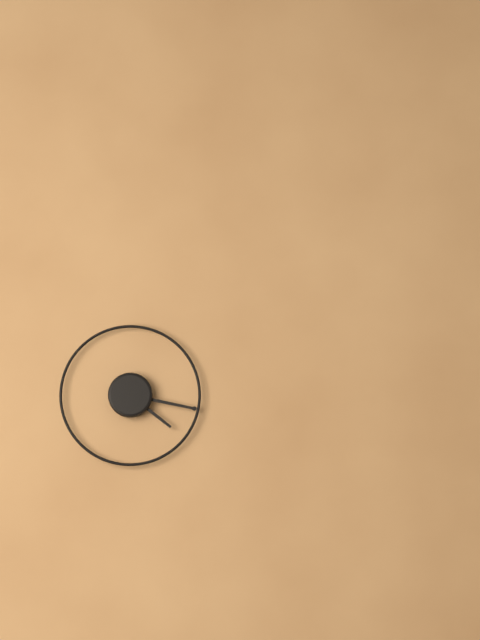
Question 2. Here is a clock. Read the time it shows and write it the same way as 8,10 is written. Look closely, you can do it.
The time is 4,17
